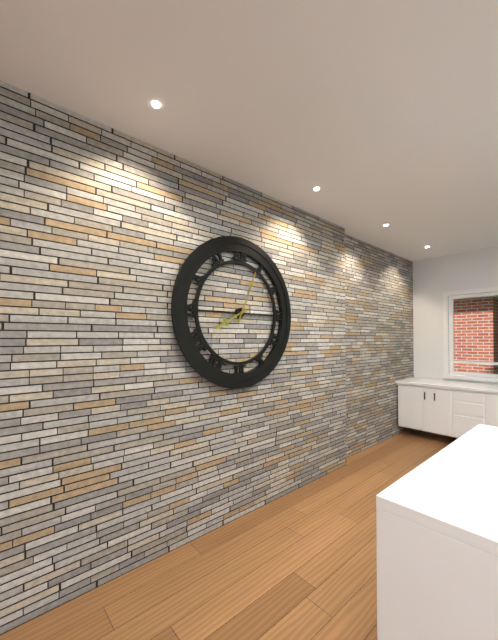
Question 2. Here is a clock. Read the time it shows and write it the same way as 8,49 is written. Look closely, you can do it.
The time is 8,04
